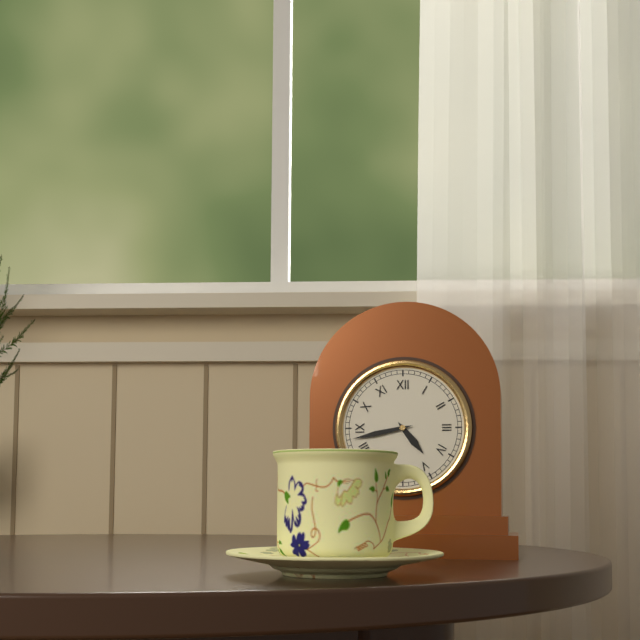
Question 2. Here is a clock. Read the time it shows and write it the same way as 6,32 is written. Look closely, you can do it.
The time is 4,43
